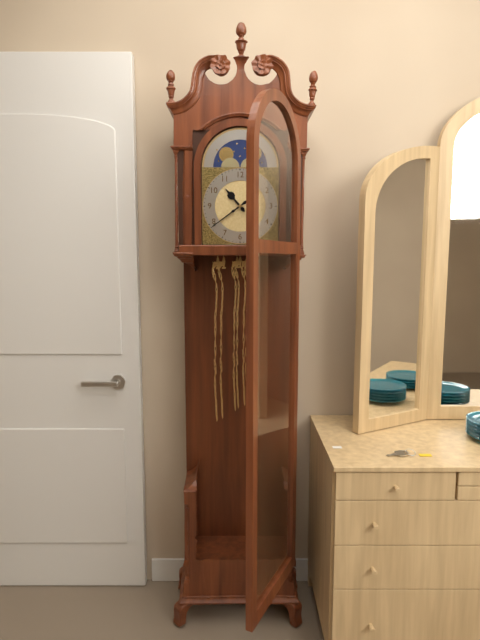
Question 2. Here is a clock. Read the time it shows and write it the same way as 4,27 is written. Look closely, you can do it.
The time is 10,39
